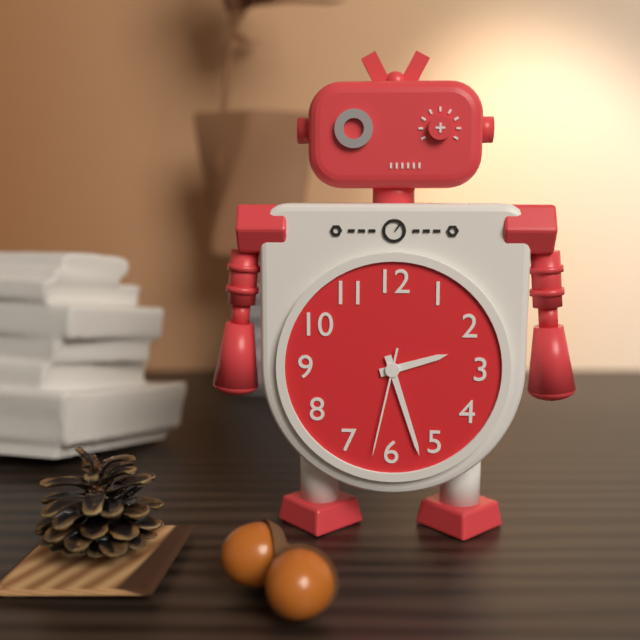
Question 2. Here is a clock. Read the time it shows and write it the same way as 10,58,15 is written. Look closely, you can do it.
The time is 2,27,32
